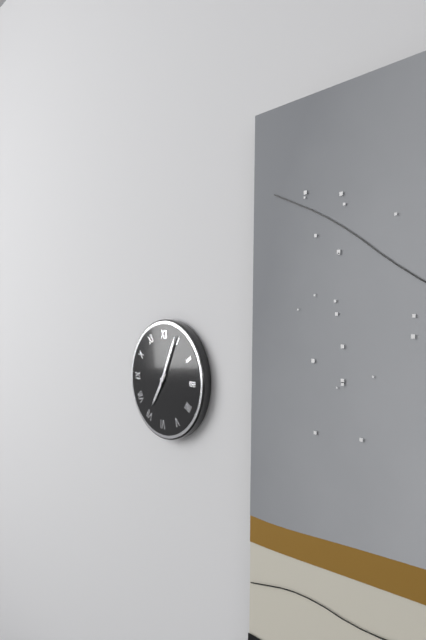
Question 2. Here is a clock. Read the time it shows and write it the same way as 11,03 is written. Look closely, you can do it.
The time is 7,04
